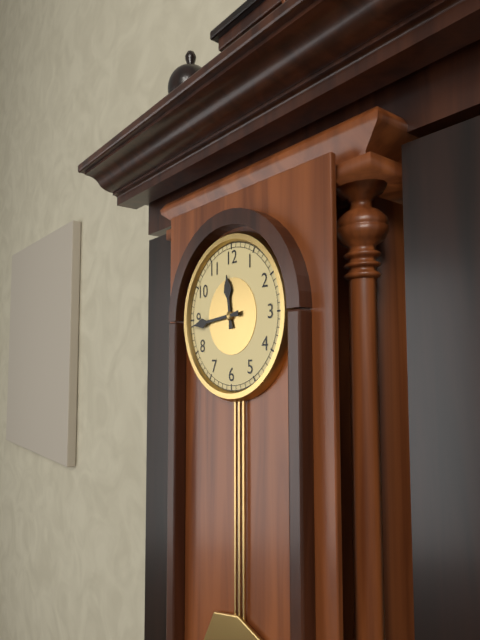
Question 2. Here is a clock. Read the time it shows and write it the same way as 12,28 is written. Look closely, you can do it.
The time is 11,44
